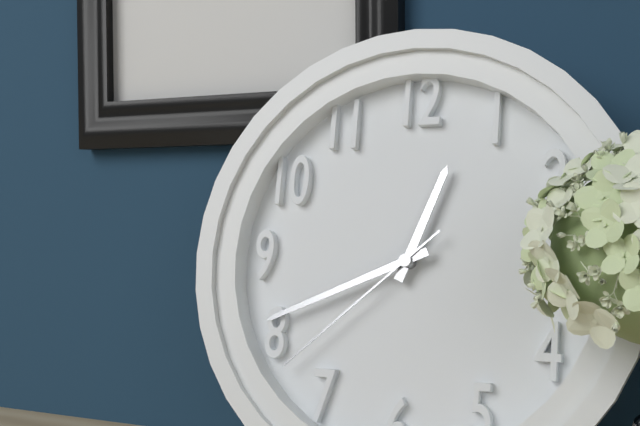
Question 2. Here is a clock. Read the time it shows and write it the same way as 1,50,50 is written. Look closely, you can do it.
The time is 12,41,38
